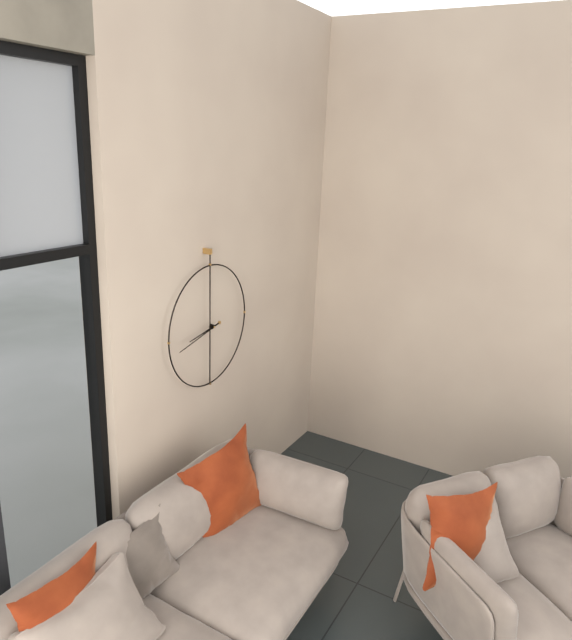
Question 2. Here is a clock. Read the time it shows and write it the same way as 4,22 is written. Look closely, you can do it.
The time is 8,43
